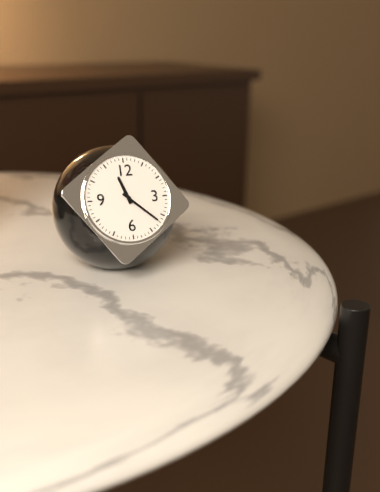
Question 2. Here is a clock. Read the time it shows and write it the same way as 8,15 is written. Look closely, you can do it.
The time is 11,22
